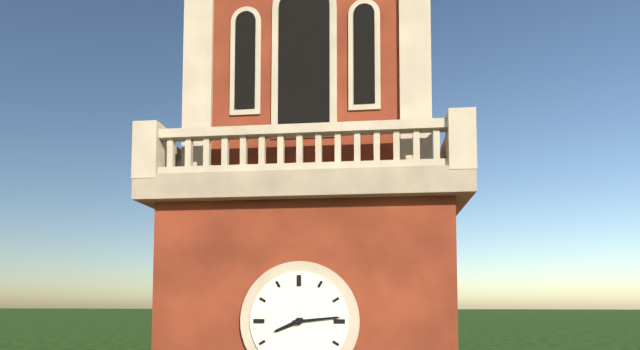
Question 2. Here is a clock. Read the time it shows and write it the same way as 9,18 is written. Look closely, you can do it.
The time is 8,14
